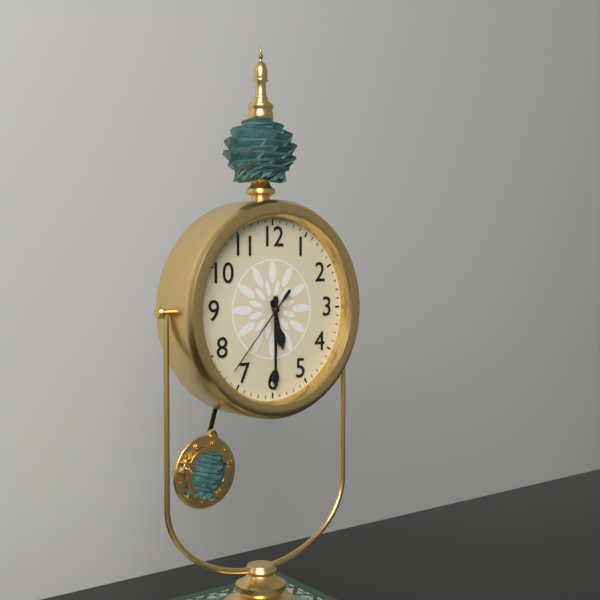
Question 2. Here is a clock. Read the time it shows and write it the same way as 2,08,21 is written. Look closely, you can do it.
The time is 5,30,37
